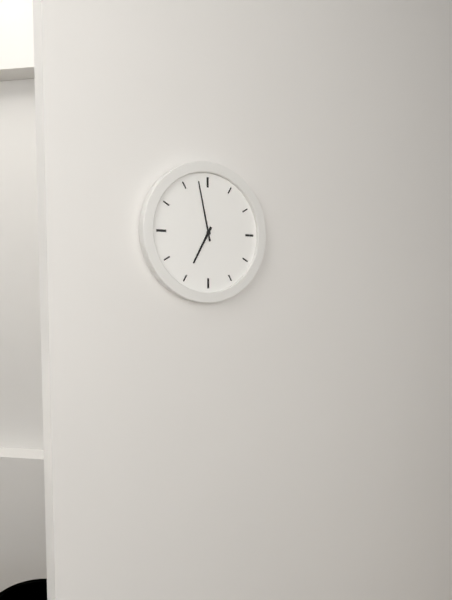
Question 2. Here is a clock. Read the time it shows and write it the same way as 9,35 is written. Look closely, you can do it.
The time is 6,58
